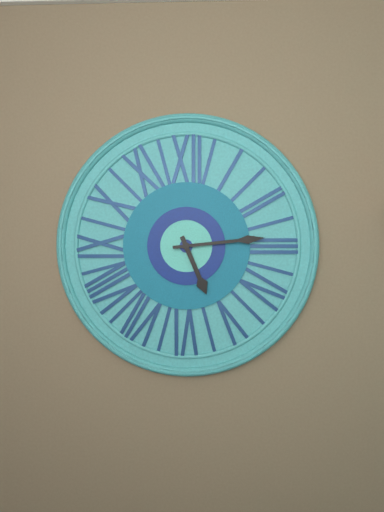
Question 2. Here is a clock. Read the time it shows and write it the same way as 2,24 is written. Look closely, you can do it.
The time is 5,14
